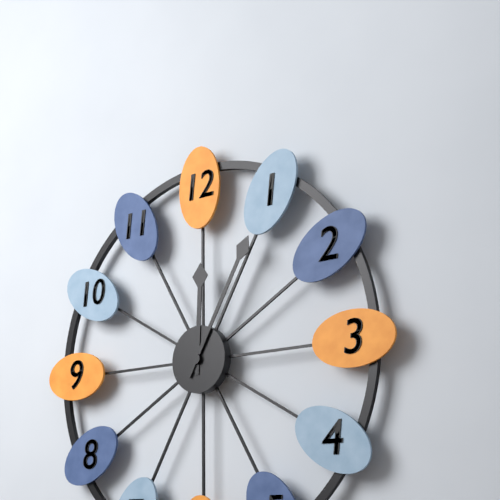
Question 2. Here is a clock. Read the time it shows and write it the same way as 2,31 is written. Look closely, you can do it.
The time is 12,05
